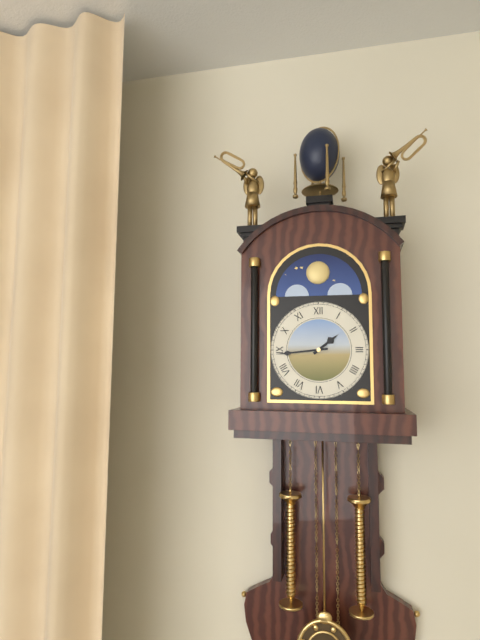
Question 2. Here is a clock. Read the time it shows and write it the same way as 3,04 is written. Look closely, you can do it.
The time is 1,44
